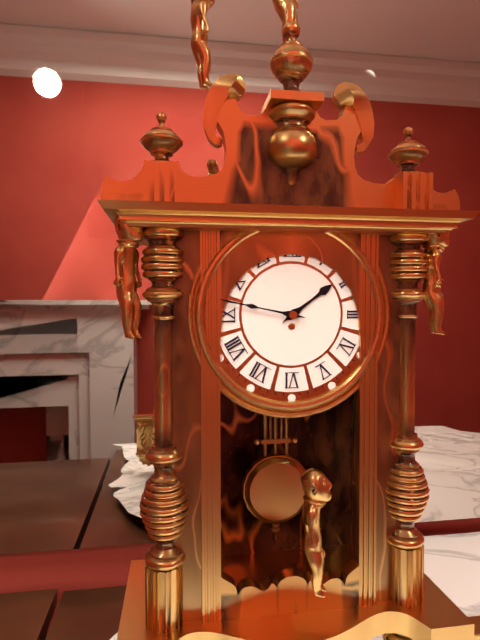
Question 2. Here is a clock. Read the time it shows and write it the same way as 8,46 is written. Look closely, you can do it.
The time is 1,47
